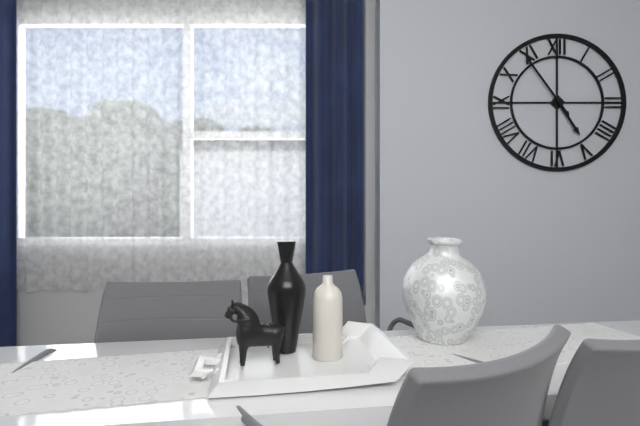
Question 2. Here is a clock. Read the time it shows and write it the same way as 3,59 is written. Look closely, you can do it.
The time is 4,54
